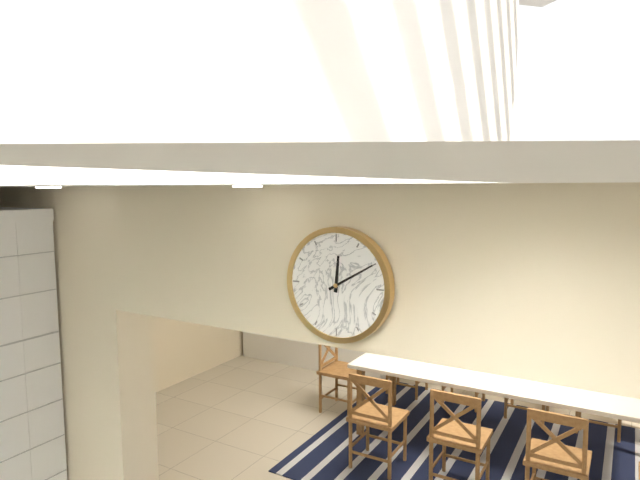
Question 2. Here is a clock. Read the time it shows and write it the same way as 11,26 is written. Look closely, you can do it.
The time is 12,10
